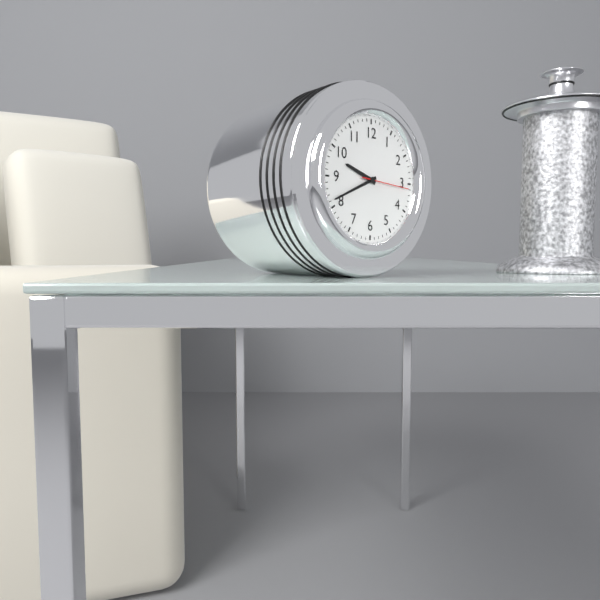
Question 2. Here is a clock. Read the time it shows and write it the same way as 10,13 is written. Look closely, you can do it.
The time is 9,41
